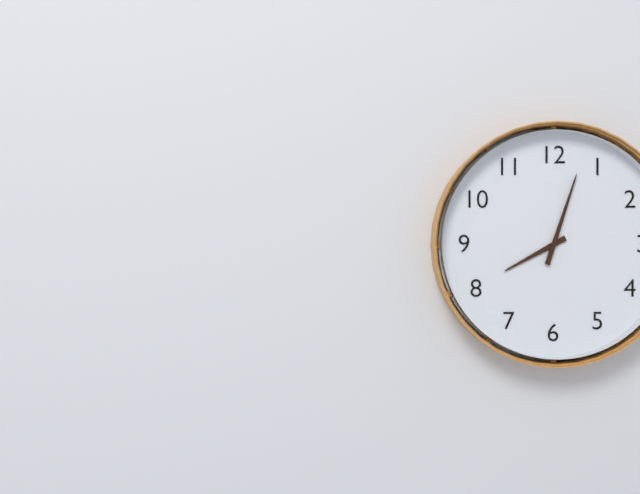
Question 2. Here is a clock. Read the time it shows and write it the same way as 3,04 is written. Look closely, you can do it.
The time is 8,03
